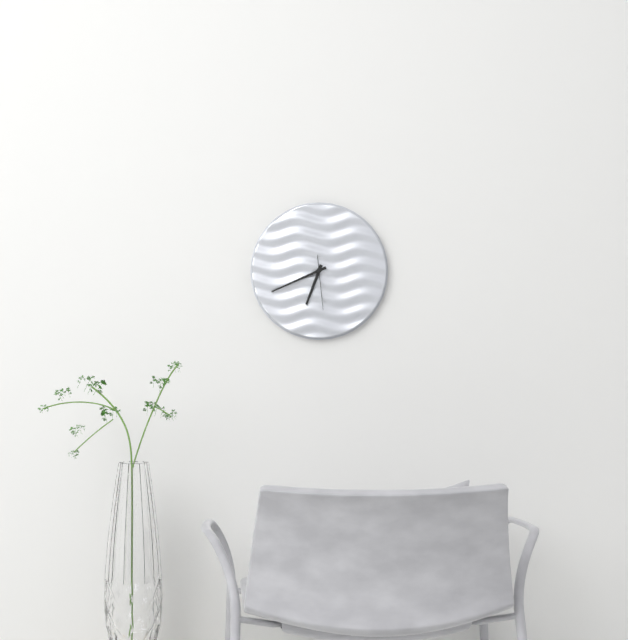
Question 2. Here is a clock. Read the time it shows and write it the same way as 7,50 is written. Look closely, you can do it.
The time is 6,41
